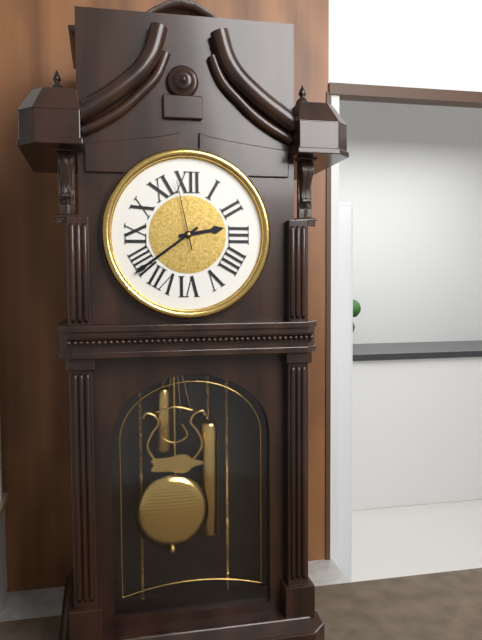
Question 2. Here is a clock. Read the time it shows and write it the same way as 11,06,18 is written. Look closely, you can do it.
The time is 2,39,58
